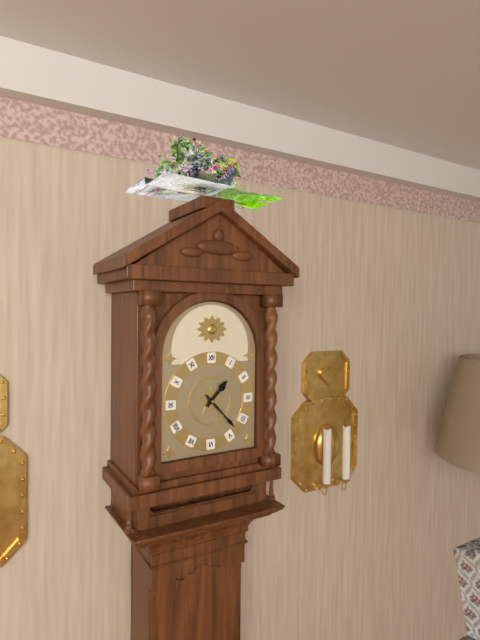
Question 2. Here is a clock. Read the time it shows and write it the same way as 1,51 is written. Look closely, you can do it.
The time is 1,23
